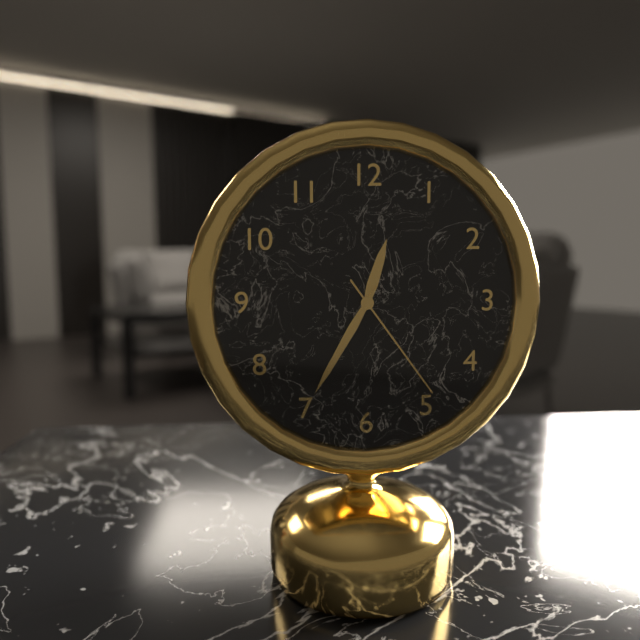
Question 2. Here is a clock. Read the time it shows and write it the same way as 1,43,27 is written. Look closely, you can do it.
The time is 12,35,24
